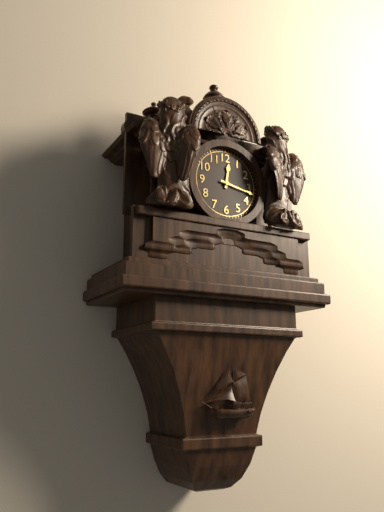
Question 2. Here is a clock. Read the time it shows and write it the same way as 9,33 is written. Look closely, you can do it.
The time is 12,17
